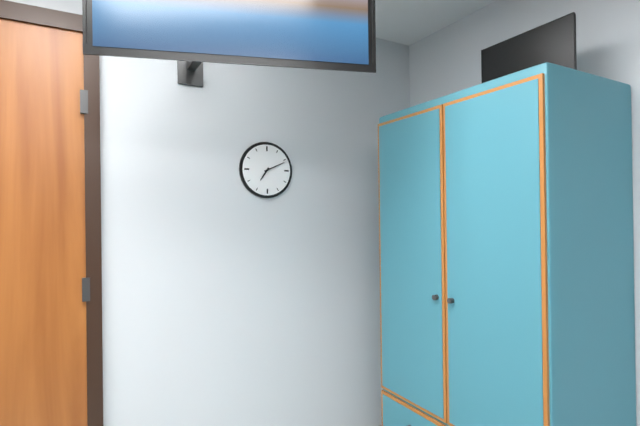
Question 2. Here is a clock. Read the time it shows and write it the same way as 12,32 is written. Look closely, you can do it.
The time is 7,11
